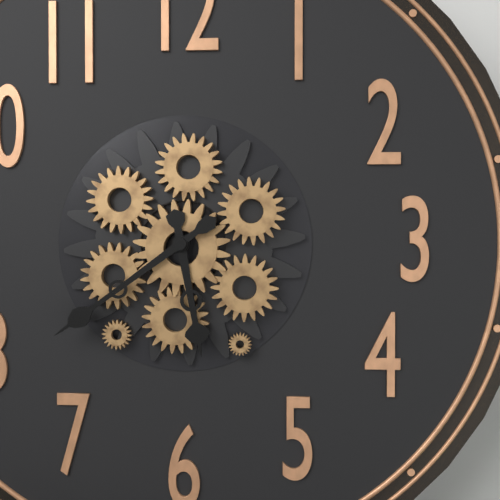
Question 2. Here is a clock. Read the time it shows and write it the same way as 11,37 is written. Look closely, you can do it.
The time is 5,39
